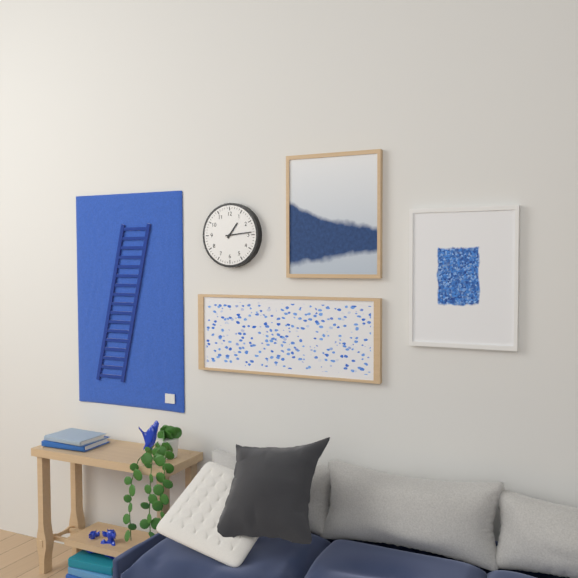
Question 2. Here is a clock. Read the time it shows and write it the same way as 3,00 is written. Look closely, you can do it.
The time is 1,14
